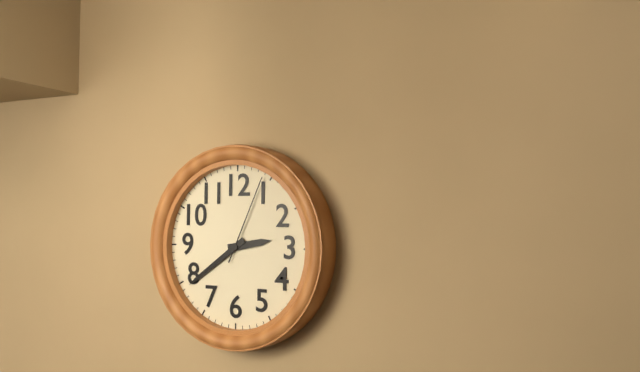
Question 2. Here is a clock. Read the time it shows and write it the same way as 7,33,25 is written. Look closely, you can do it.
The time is 2,39,04
